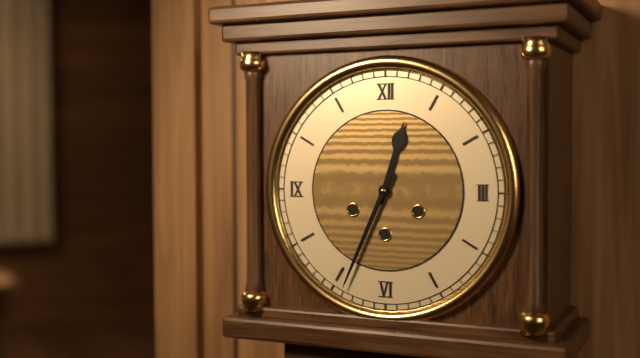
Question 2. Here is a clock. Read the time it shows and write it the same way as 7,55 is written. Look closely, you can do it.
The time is 12,34
